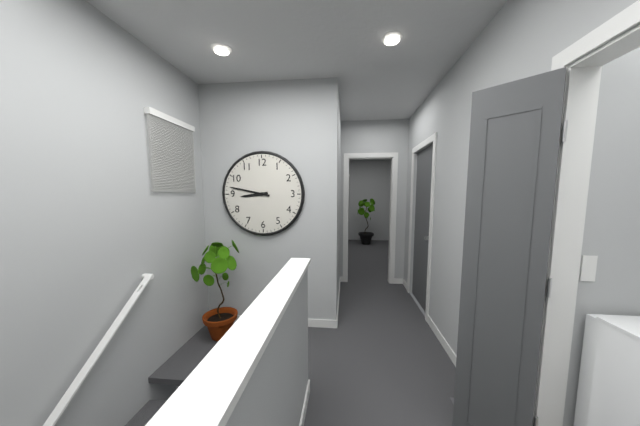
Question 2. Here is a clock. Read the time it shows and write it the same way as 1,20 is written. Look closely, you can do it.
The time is 8,47
